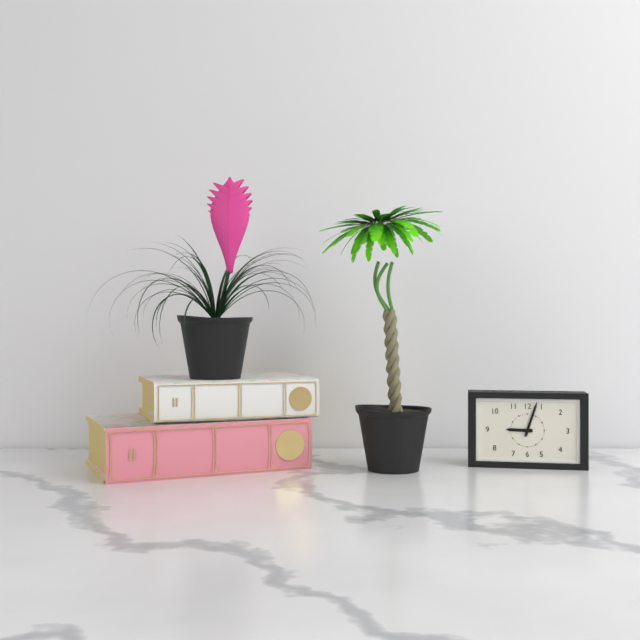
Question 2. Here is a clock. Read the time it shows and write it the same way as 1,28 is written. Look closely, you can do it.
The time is 9,03
